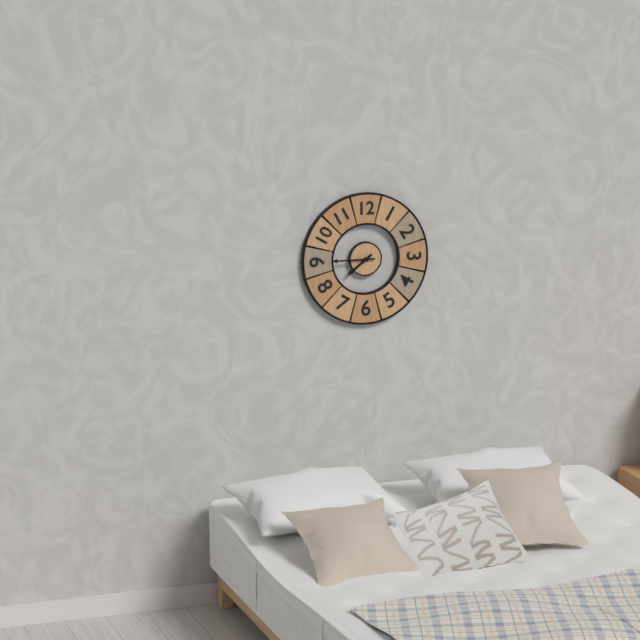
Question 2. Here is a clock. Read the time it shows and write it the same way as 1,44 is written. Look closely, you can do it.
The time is 7,45
